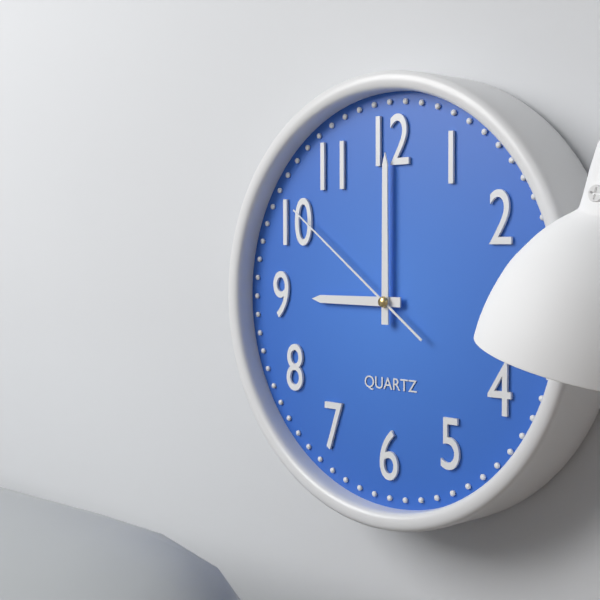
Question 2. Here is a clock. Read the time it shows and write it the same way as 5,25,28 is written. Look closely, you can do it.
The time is 9,00,51
